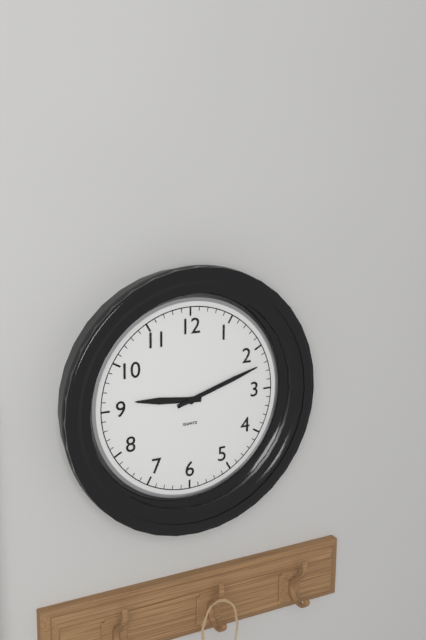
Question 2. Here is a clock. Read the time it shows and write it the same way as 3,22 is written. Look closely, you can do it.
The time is 9,12
